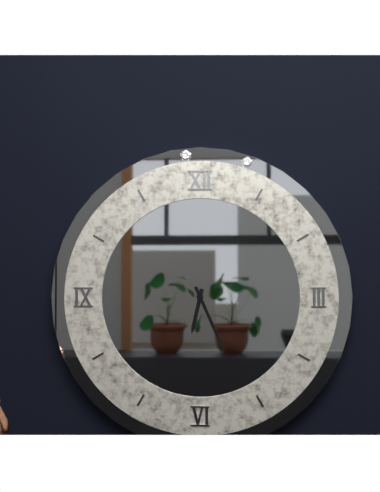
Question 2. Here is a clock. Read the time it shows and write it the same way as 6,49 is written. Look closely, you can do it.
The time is 6,26
